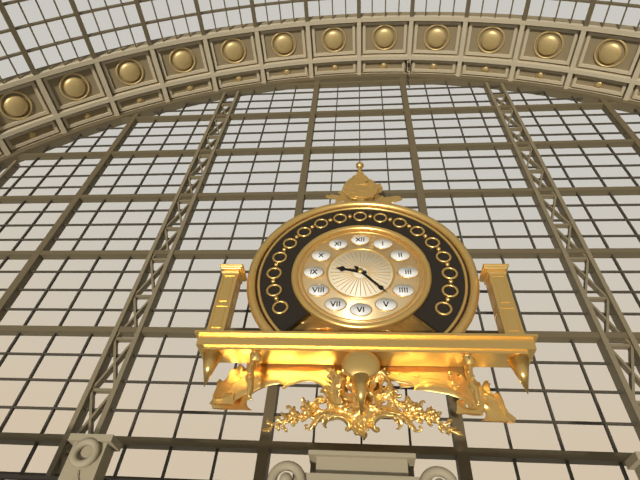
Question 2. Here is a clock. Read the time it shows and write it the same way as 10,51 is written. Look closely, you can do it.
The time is 9,23
